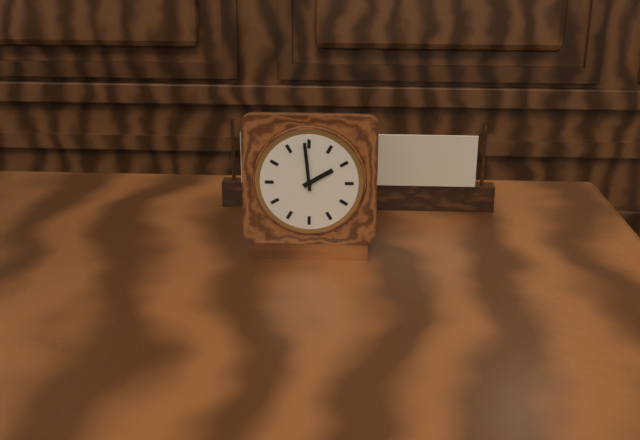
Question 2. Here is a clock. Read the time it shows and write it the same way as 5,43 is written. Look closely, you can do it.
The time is 1,59
